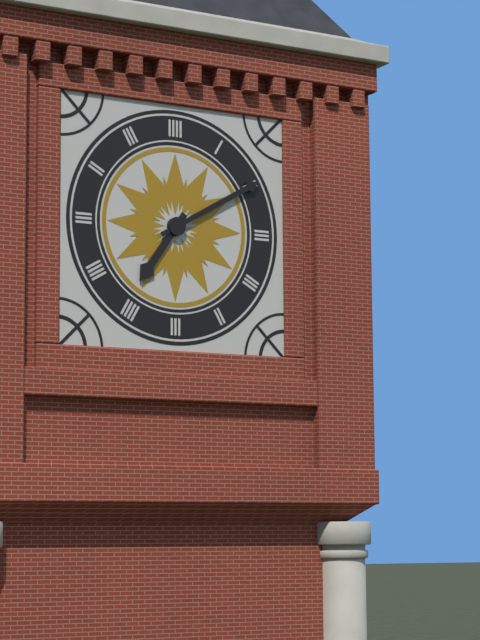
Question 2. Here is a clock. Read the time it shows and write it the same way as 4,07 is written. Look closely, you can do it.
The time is 7,10
